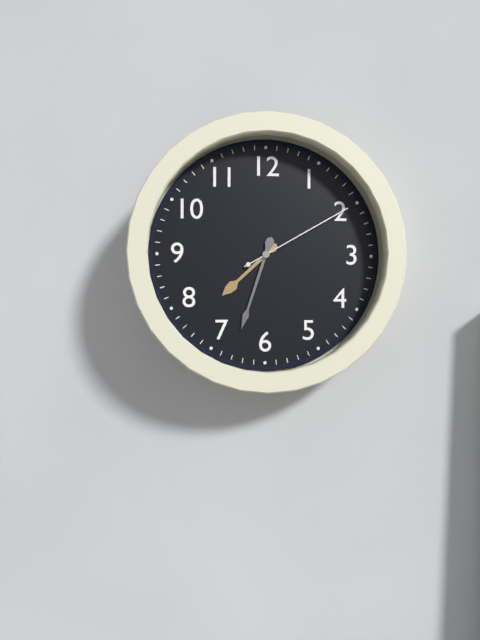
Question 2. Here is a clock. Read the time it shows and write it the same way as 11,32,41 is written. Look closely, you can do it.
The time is 7,33,10
